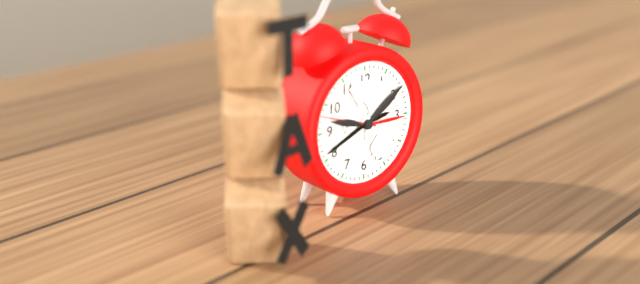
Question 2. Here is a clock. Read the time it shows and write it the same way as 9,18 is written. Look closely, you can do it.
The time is 2,41
